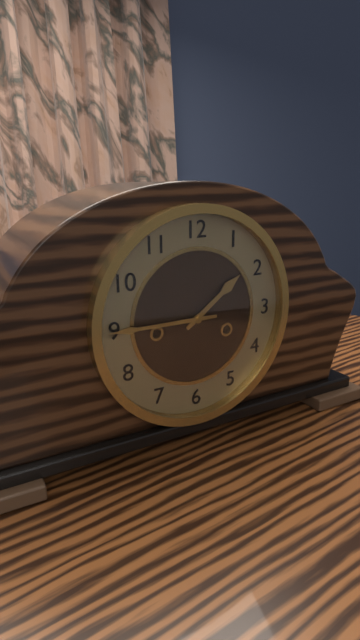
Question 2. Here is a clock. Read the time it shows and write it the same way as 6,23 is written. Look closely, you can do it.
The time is 1,45
